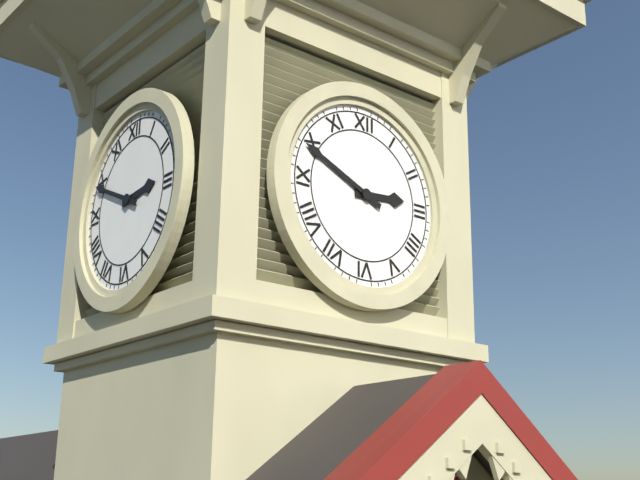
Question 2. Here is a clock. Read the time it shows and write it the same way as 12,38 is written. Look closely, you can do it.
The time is 2,49
